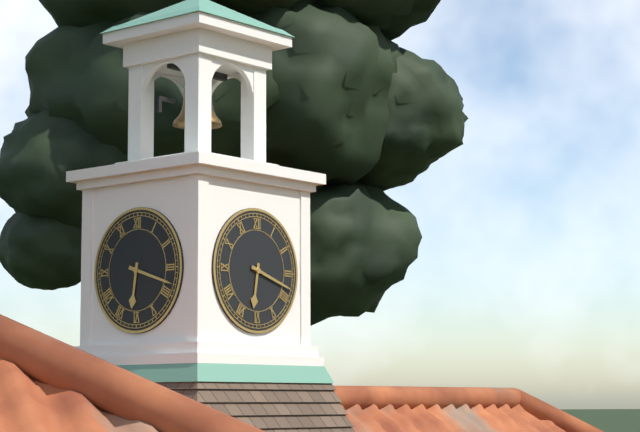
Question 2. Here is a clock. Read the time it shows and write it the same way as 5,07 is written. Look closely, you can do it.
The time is 6,18
